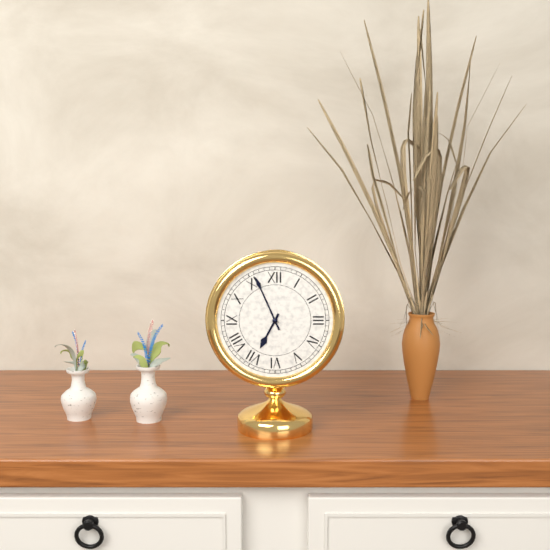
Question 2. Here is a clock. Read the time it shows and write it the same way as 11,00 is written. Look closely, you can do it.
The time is 6,56
